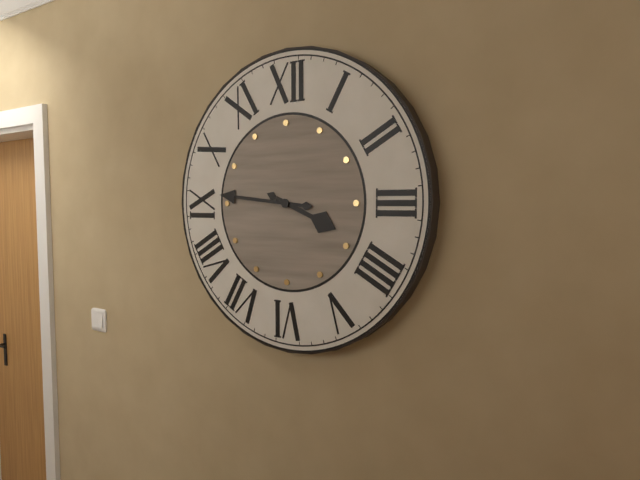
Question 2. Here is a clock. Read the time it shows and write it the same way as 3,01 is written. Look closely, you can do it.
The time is 3,46
